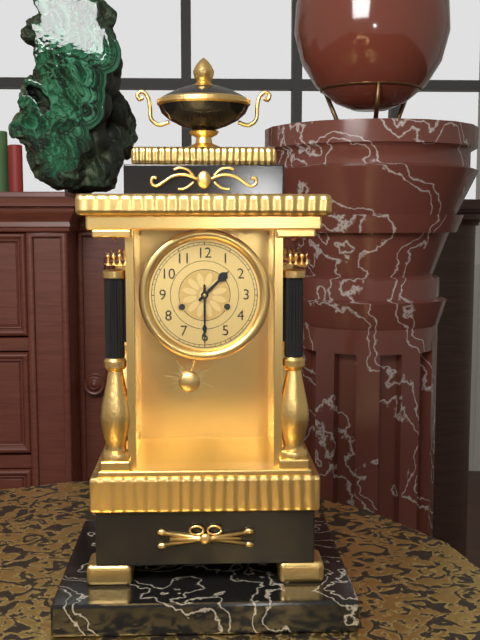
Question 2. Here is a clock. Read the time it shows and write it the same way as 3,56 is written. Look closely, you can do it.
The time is 1,30
